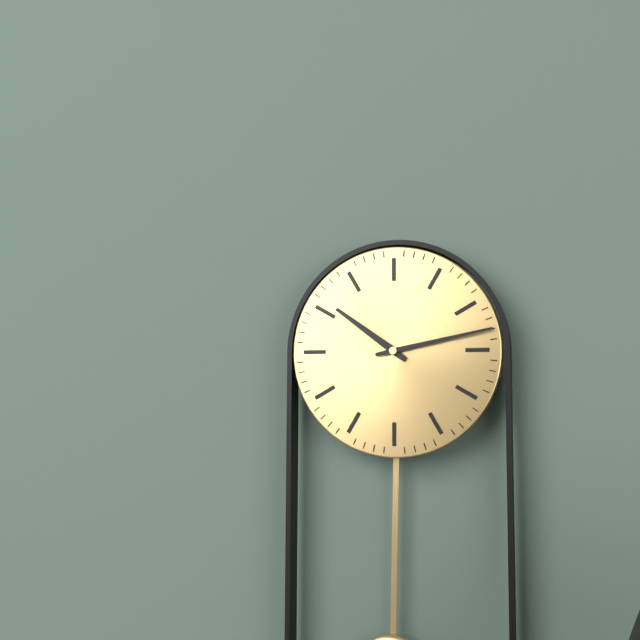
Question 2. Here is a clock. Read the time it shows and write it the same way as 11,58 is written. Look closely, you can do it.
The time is 10,13
